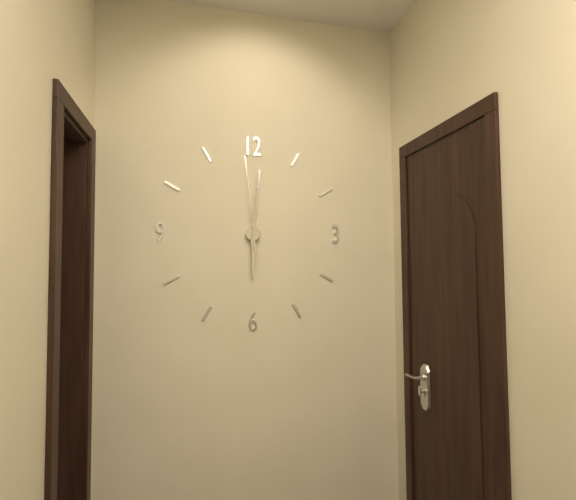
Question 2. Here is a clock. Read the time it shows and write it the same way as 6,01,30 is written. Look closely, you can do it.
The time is 6,01,59
